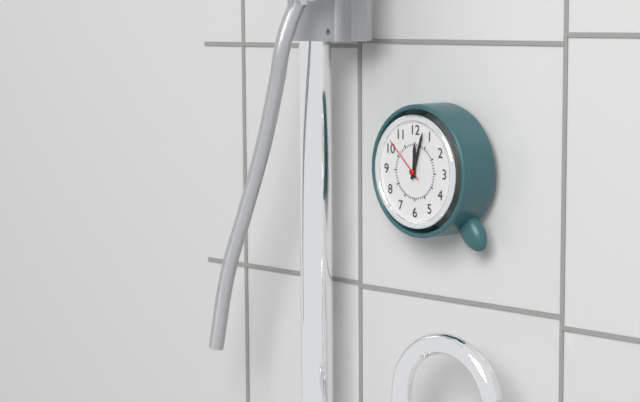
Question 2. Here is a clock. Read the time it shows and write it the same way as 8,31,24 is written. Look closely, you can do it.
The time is 12,03,52
